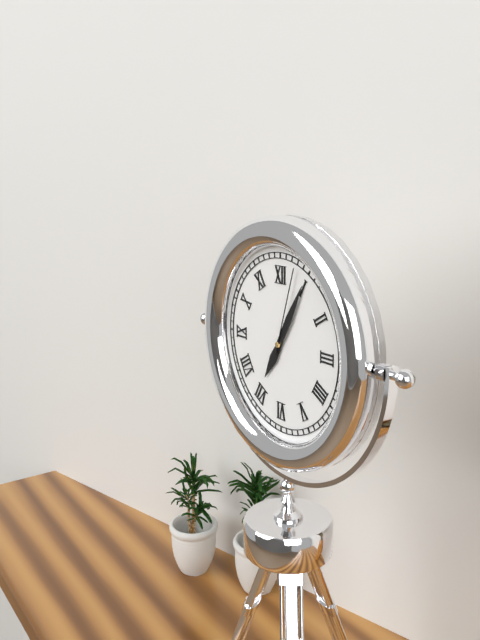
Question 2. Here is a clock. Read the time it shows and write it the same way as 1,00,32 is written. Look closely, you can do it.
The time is 7,05,03
